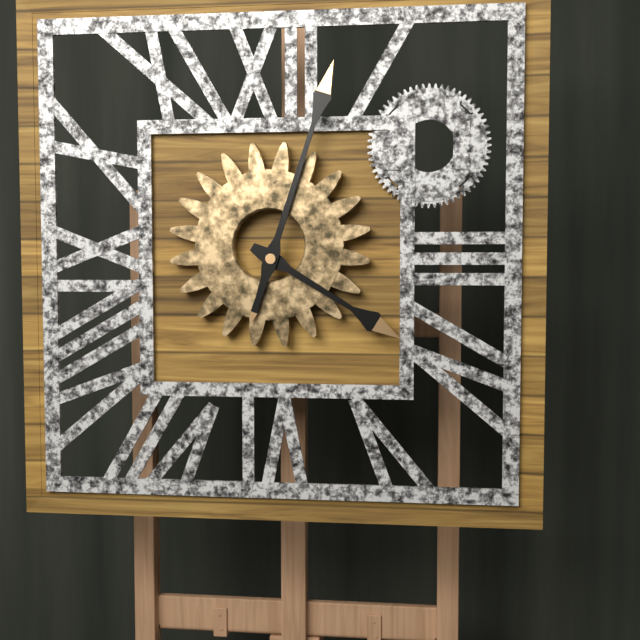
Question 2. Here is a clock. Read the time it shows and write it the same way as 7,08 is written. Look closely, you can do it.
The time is 4,03
